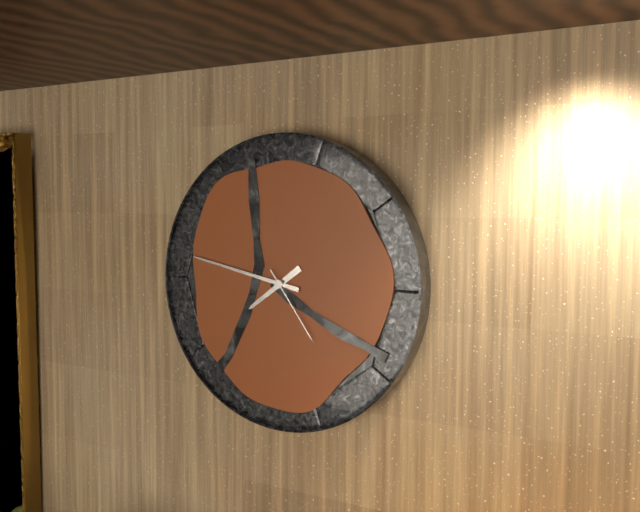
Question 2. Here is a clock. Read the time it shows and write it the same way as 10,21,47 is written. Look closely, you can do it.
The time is 7,47,24
